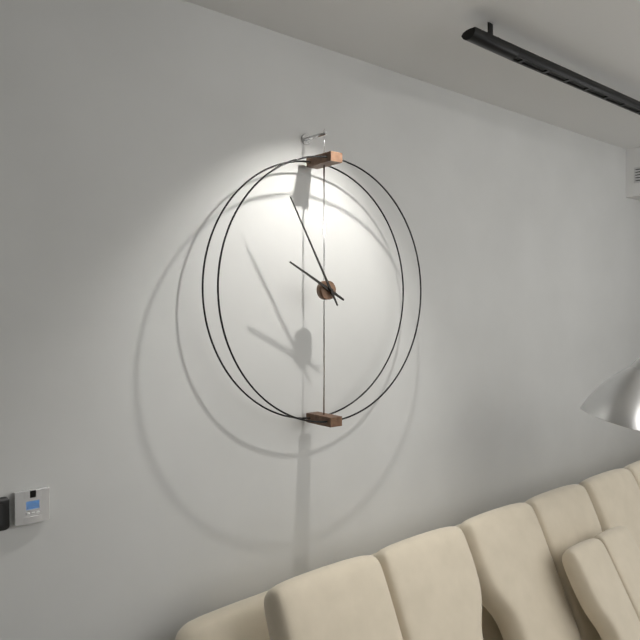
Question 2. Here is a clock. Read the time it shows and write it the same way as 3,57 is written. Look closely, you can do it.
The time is 9,55
